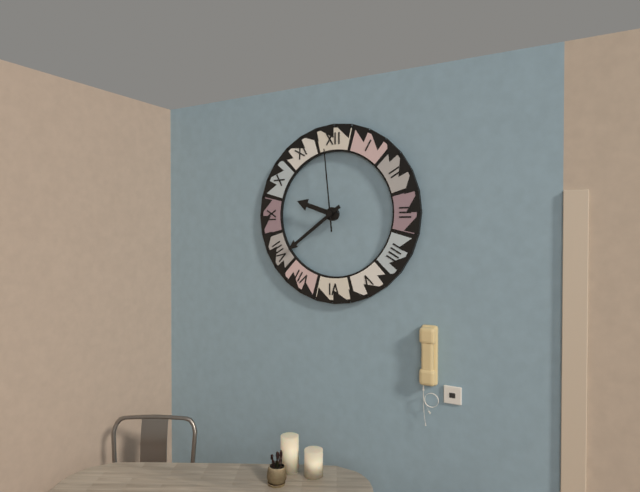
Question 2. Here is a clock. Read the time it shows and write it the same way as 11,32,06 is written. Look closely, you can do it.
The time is 9,39,59
